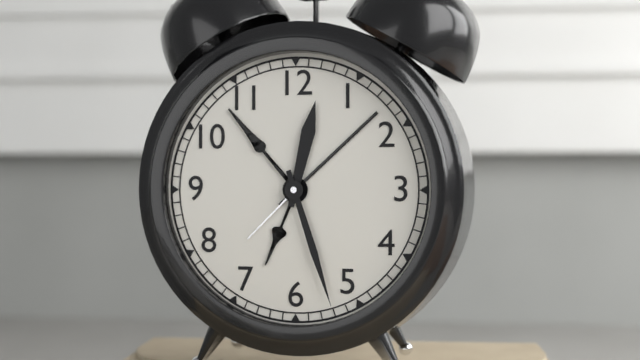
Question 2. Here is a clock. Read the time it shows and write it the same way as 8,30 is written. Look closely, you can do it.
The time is 12,27
